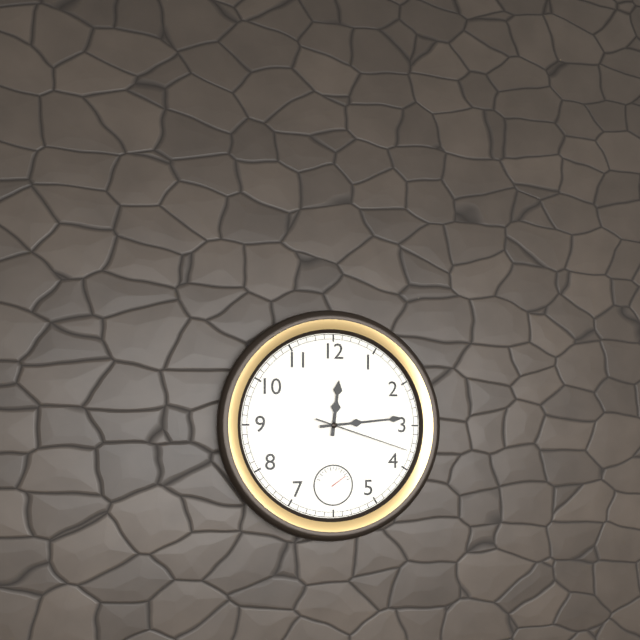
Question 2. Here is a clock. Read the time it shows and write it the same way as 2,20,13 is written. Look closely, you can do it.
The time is 12,14,18
